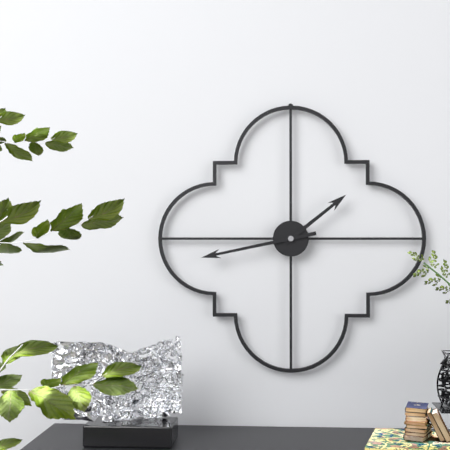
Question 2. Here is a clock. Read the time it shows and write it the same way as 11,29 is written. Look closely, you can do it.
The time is 1,43
